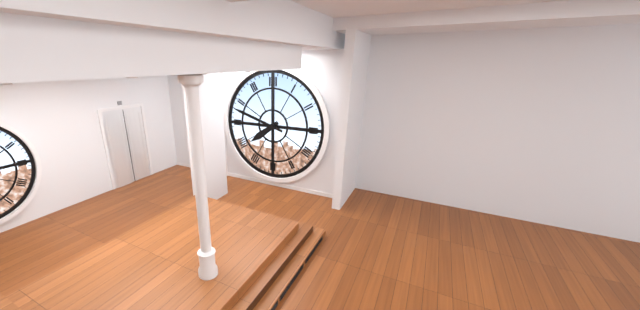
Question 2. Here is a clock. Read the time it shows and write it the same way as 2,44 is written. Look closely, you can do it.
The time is 7,48
